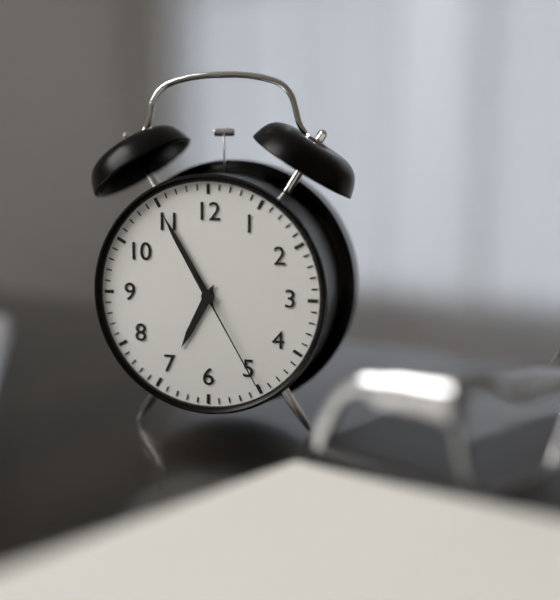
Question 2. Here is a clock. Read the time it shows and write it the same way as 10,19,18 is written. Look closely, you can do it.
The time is 6,55,25
